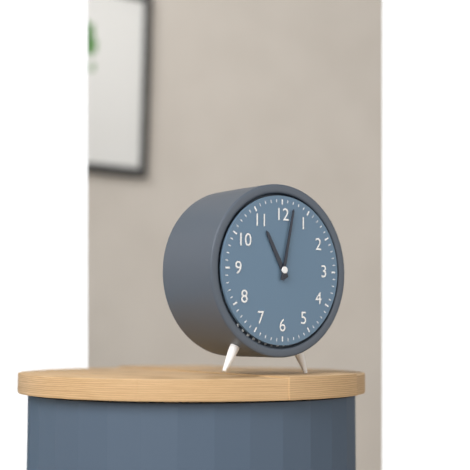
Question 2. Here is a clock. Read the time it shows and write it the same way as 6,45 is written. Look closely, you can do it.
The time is 11,02
